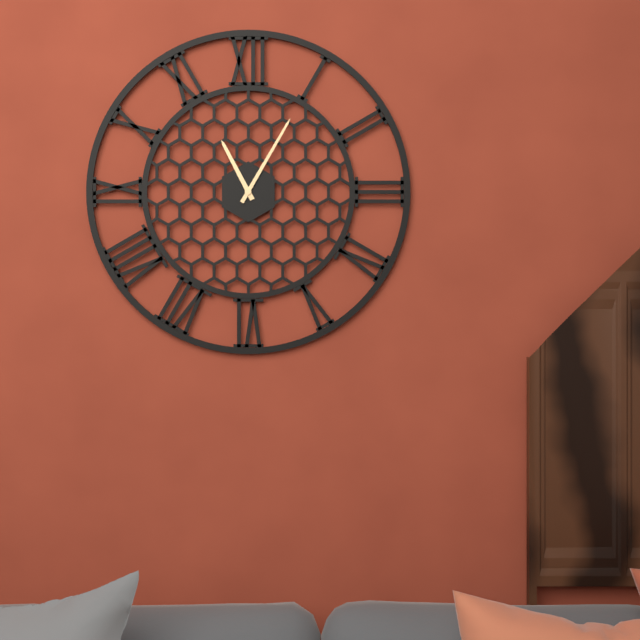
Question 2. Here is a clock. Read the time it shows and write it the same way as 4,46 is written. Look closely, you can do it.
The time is 11,05
